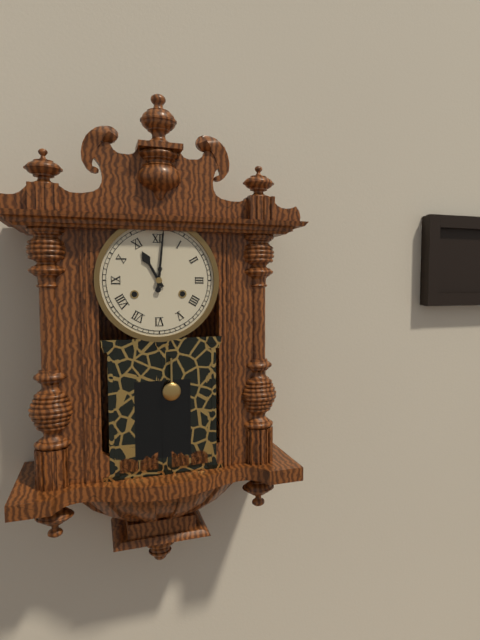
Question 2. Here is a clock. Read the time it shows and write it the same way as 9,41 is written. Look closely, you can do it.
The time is 11,01
